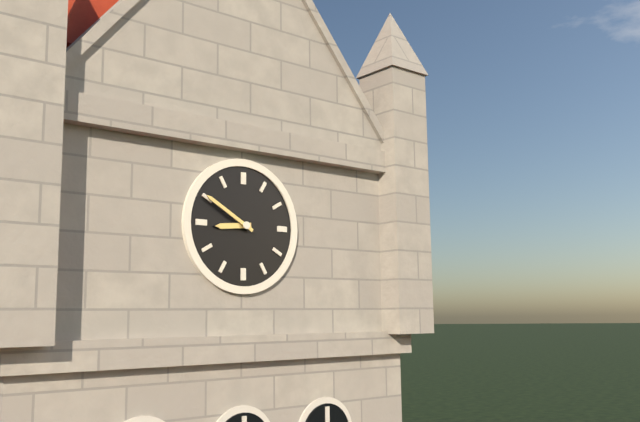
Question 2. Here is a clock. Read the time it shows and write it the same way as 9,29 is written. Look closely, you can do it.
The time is 8,50
